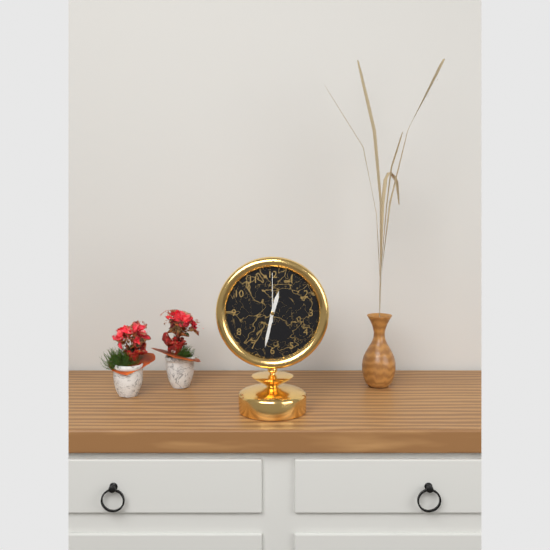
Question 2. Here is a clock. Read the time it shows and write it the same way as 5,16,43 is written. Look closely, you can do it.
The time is 12,32,00
